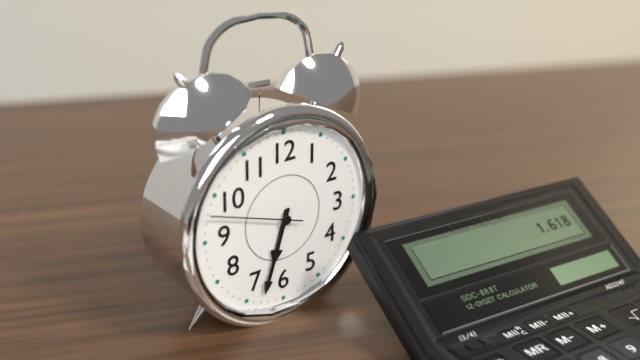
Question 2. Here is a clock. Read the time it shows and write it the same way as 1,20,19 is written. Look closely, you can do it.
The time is 6,33,48
